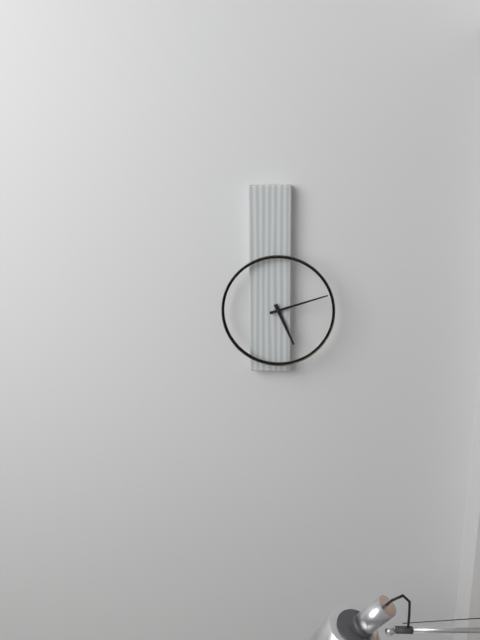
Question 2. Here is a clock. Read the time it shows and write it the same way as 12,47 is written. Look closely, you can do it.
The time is 5,12
